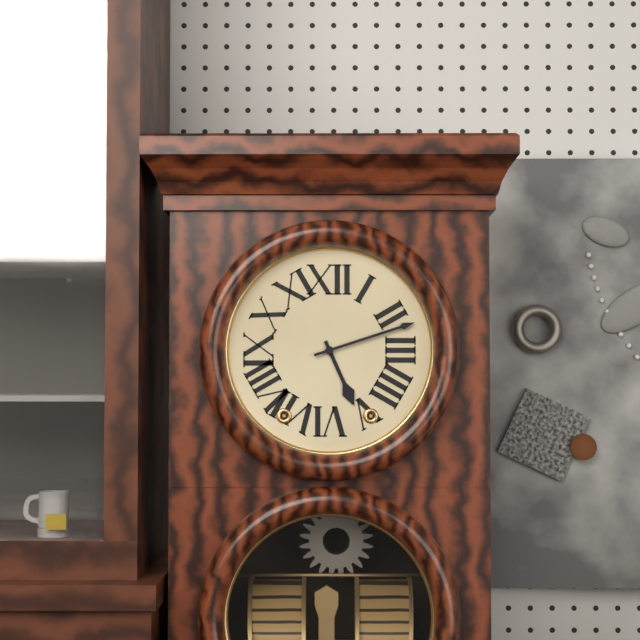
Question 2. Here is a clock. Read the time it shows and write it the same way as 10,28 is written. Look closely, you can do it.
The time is 5,12
